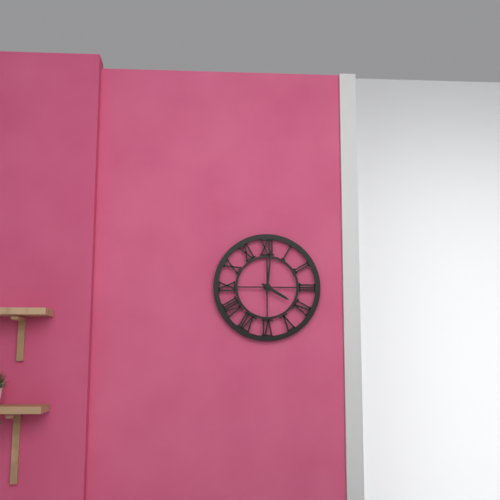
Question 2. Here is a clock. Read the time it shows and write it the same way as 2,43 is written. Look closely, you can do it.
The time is 4,01
